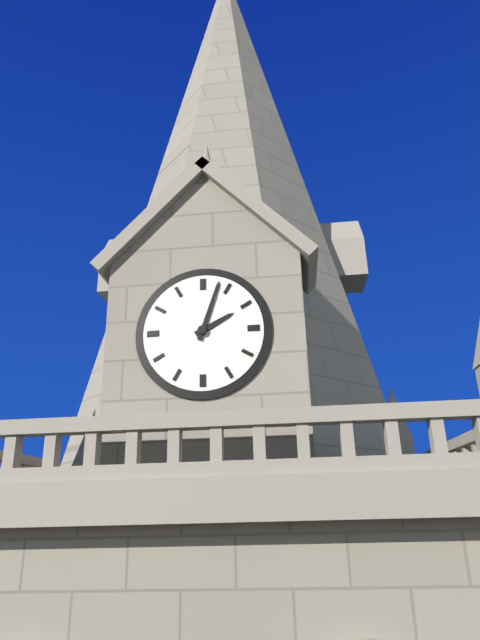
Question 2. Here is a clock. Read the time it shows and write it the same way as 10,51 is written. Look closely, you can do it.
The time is 2,03
